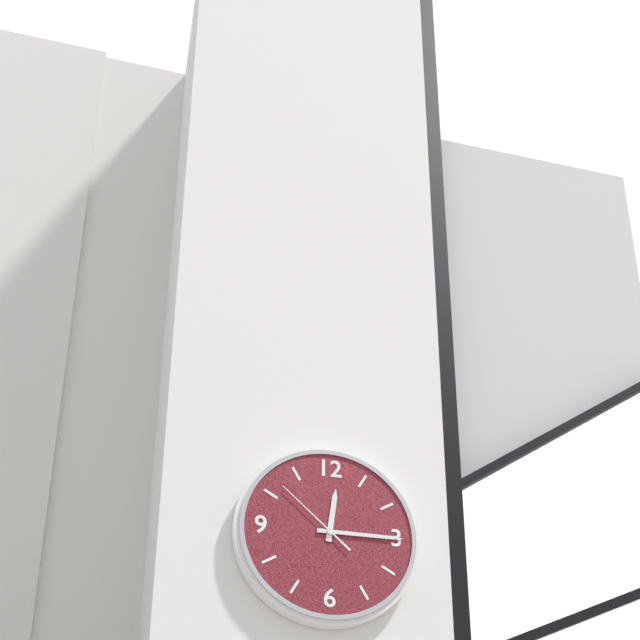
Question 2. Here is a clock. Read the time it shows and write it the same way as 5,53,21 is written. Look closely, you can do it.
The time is 12,15,52
